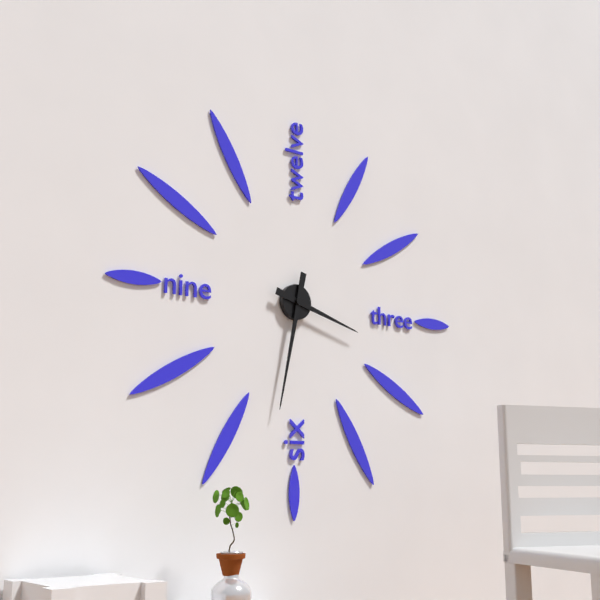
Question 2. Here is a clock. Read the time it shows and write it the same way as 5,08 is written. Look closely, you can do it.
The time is 3,32
